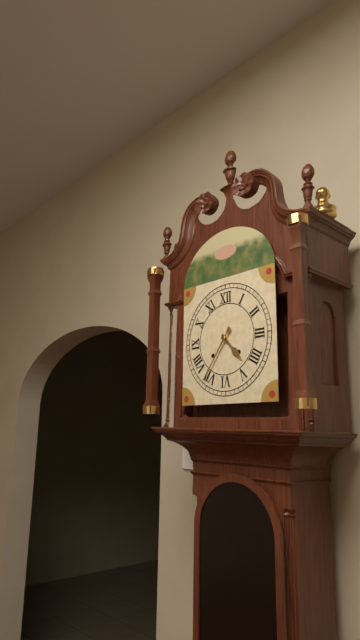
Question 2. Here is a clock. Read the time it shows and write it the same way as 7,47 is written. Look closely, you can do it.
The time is 4,36
